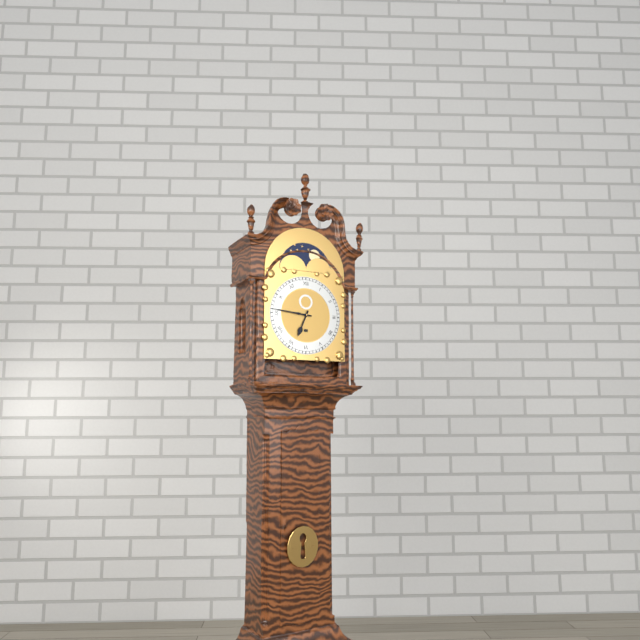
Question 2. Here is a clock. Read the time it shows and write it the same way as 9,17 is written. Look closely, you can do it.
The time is 6,46
